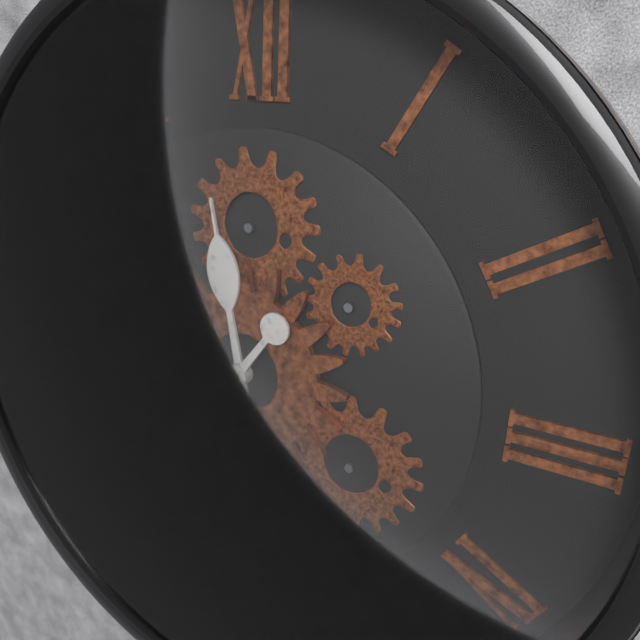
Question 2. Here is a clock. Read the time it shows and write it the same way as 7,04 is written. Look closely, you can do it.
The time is 11,36
